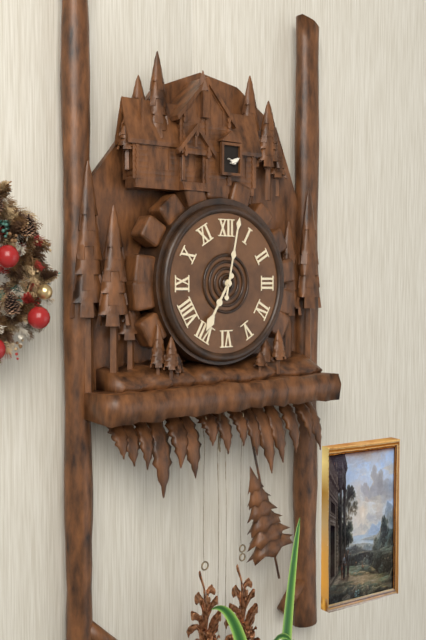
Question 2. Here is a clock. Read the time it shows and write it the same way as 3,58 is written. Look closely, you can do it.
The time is 7,02
